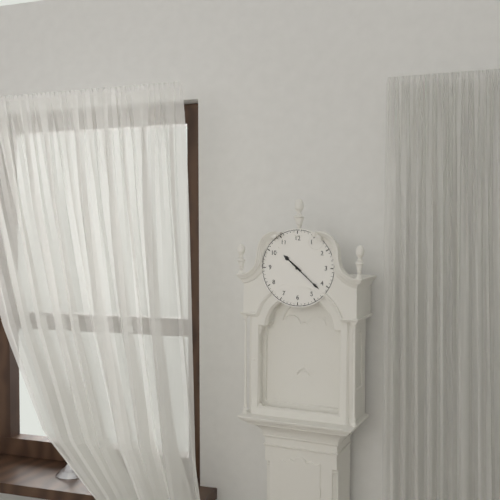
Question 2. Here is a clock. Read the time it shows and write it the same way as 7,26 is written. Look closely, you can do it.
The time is 10,22
